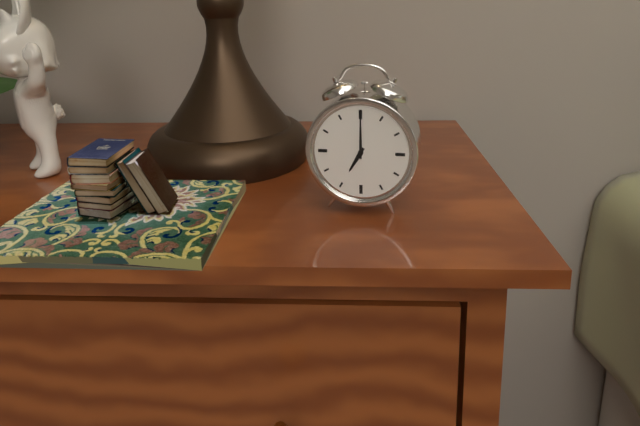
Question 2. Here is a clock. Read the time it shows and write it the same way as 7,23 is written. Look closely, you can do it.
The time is 7,00
